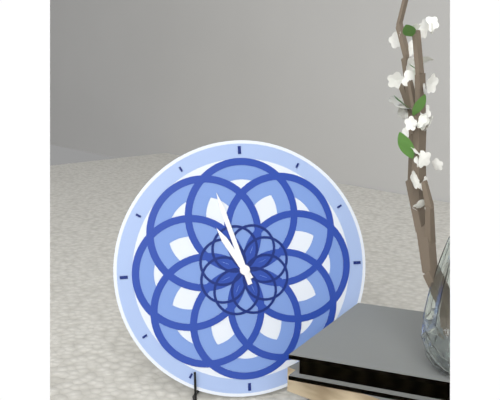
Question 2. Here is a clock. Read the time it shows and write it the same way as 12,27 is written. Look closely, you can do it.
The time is 10,57
